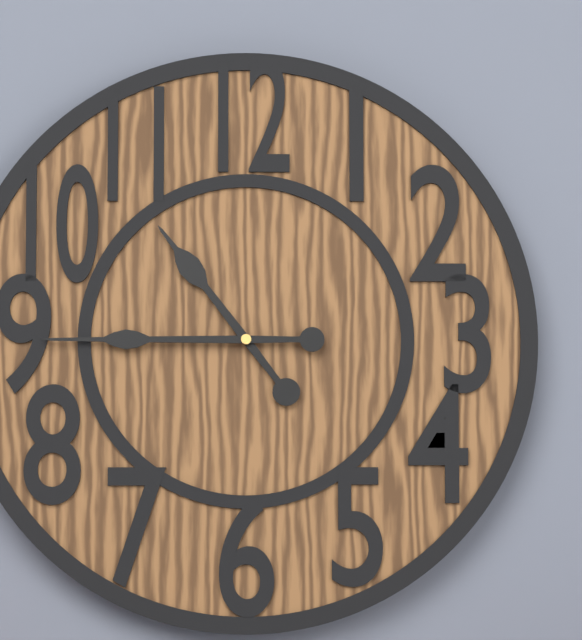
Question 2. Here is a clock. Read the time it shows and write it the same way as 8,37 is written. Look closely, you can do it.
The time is 10,45
